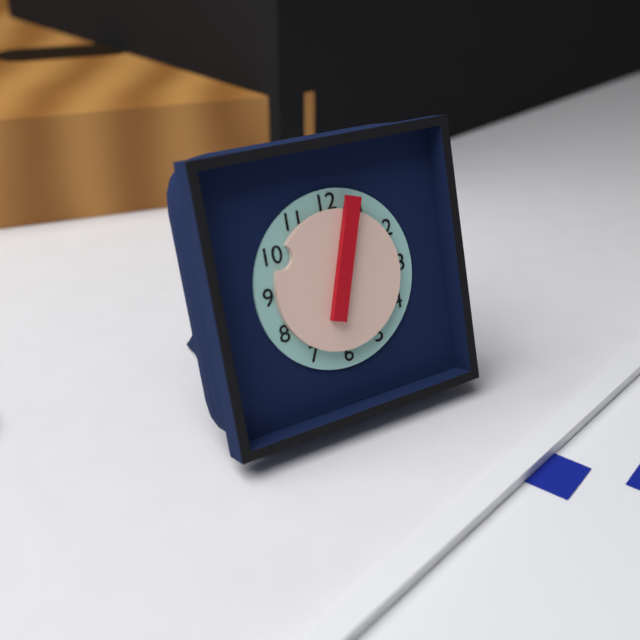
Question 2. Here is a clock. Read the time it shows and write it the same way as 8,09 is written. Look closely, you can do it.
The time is 10,03
